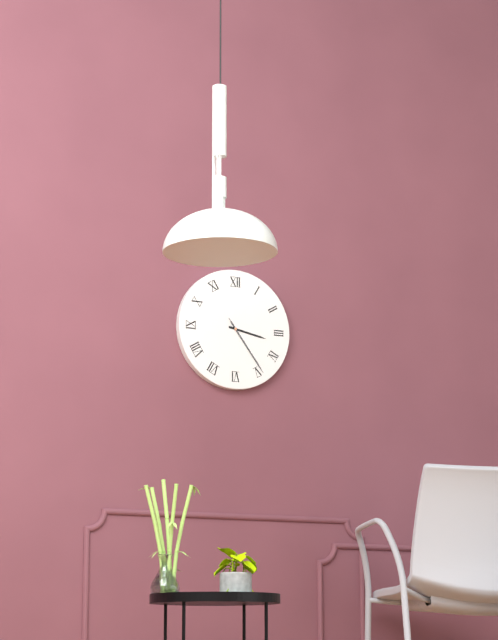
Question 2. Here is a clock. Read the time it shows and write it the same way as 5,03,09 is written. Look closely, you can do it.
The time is 3,24,24
